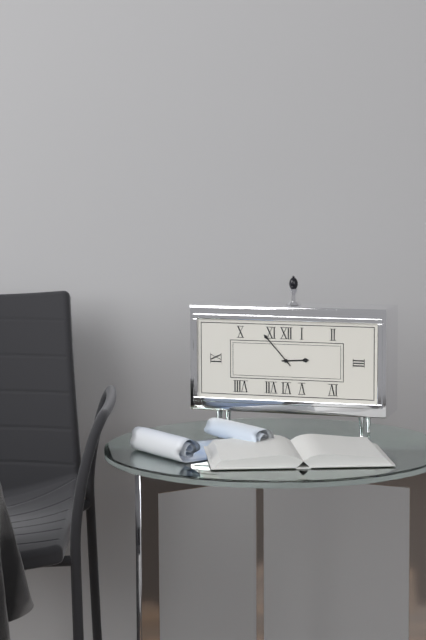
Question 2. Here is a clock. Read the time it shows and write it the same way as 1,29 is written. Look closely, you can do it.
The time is 2,53
